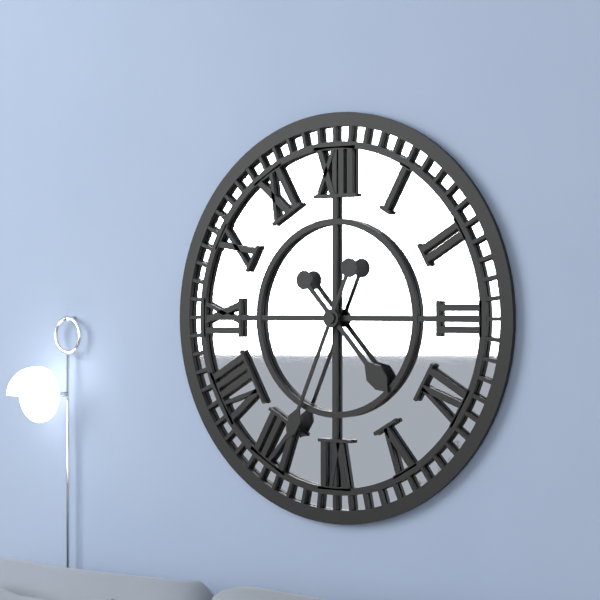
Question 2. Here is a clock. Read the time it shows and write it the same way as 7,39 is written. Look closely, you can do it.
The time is 4,34
